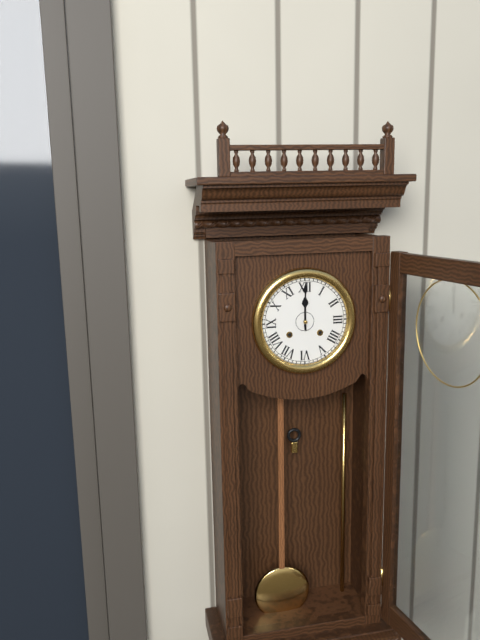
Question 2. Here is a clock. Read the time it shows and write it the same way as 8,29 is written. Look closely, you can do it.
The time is 12,00
